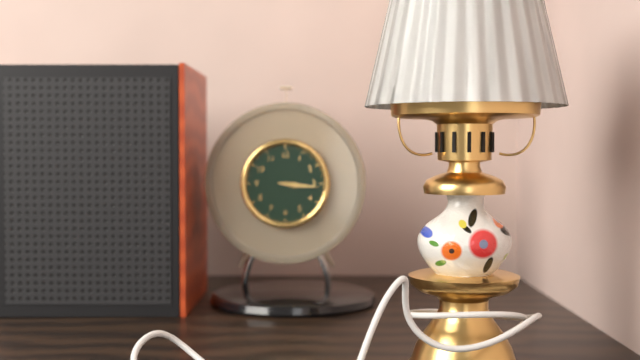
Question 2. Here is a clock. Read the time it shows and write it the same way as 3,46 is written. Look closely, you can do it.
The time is 3,16
